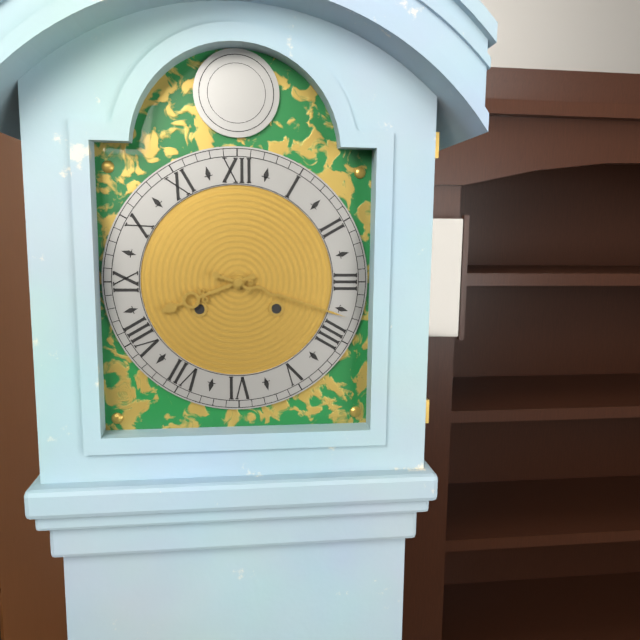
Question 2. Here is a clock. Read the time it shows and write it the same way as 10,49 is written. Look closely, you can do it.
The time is 8,18
